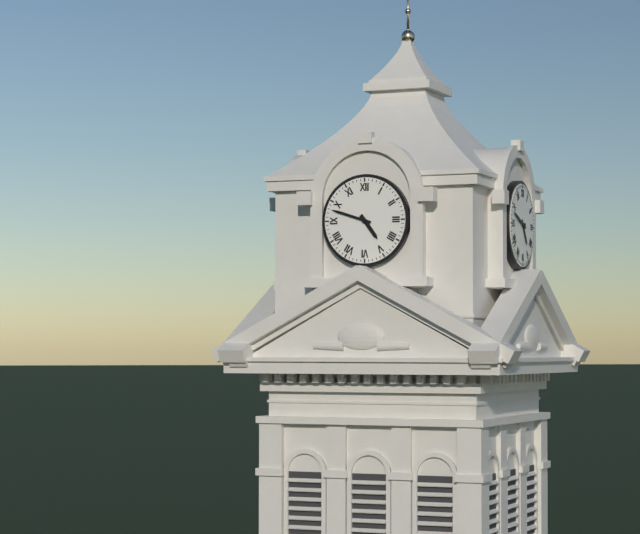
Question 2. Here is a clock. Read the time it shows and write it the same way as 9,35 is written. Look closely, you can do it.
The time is 4,48
